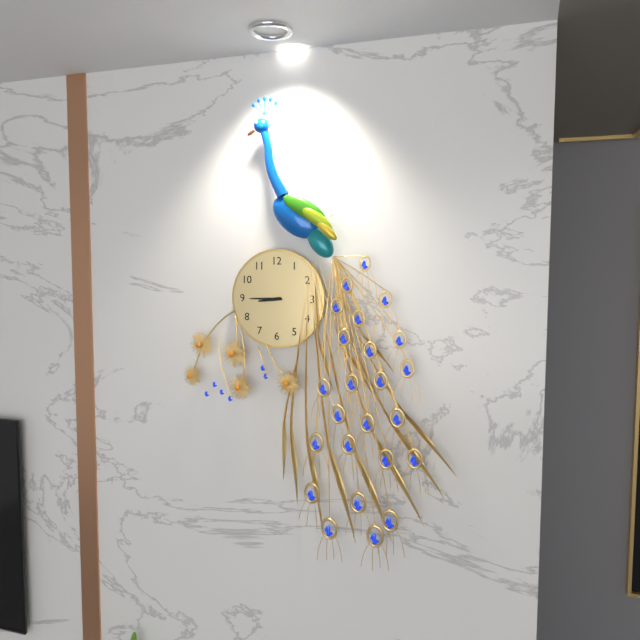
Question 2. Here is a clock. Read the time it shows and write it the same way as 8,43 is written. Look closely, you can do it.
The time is 8,45
